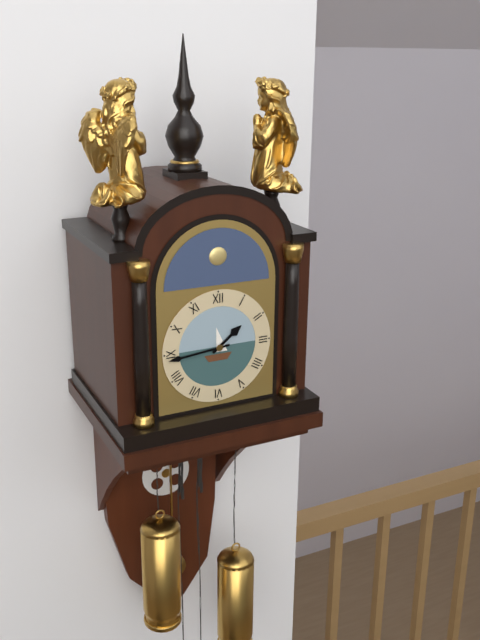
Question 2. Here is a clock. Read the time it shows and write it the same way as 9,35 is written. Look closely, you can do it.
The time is 1,44
